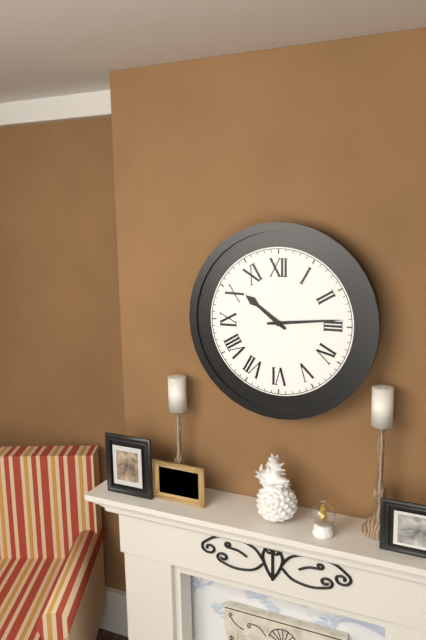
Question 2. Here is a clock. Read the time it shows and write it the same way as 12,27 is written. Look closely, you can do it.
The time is 10,14
